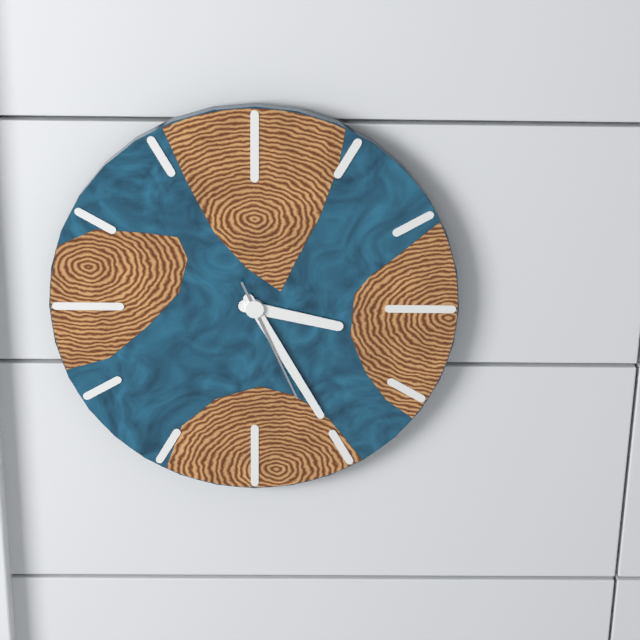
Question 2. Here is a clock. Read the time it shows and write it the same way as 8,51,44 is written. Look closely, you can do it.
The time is 3,25,26
